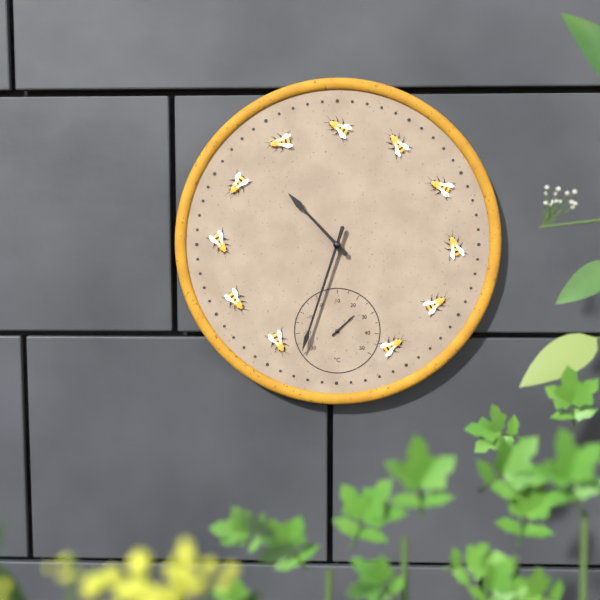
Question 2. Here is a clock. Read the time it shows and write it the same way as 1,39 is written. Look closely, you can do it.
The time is 10,33
